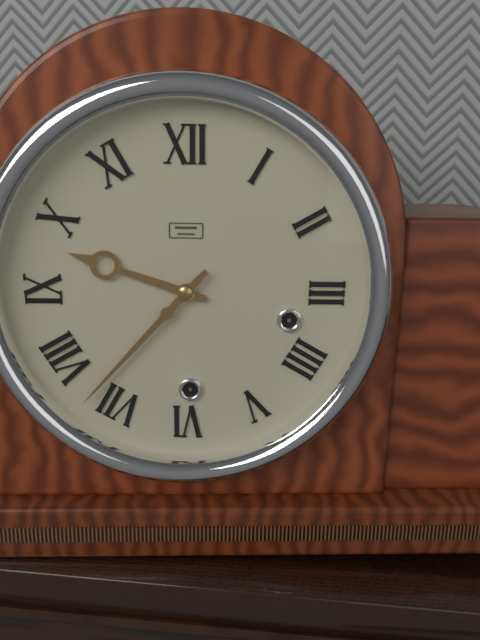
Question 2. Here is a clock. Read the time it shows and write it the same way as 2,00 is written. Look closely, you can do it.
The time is 9,37
